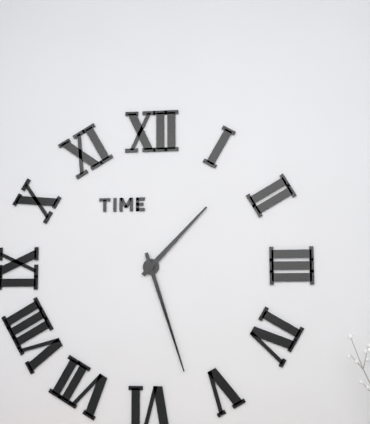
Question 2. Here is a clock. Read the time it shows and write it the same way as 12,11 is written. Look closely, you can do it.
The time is 1,27
